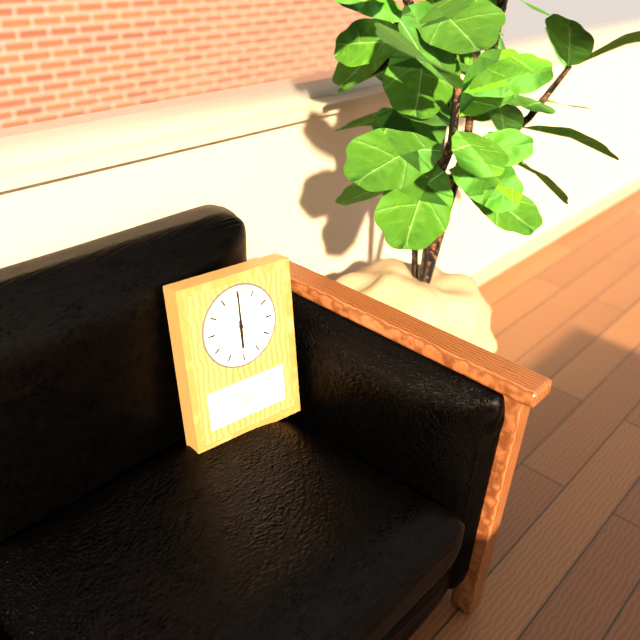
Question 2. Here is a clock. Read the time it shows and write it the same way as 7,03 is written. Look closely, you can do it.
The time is 6,00
